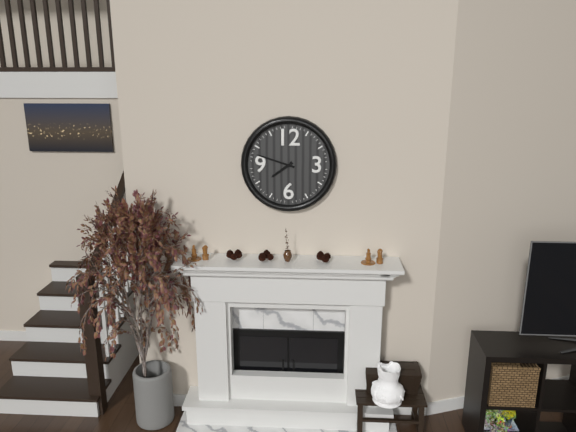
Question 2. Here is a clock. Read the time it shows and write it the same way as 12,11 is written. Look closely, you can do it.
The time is 7,48
